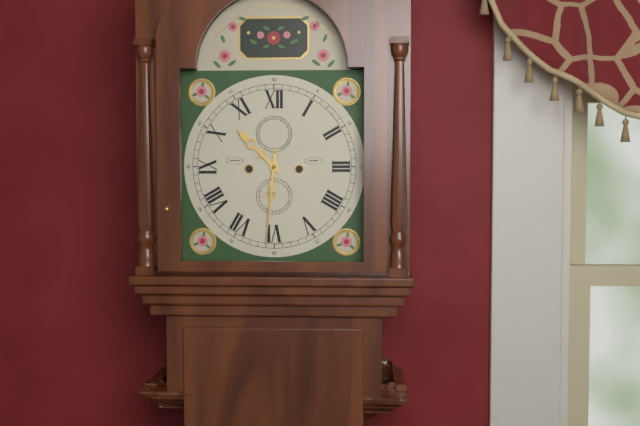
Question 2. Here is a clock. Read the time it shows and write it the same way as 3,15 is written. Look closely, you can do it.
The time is 10,31
